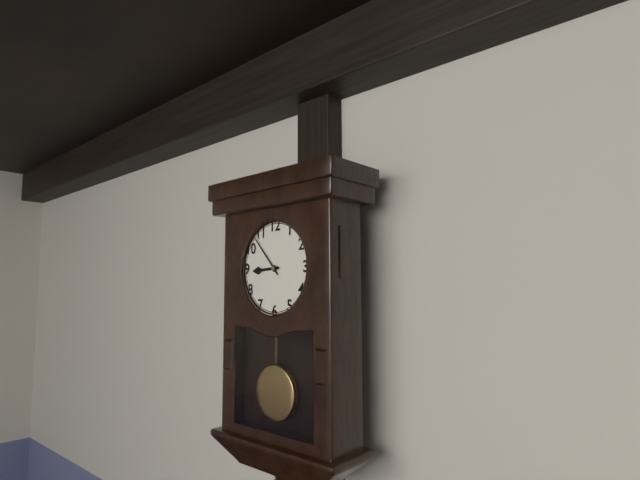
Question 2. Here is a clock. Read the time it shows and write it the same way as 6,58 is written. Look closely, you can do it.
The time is 8,53
